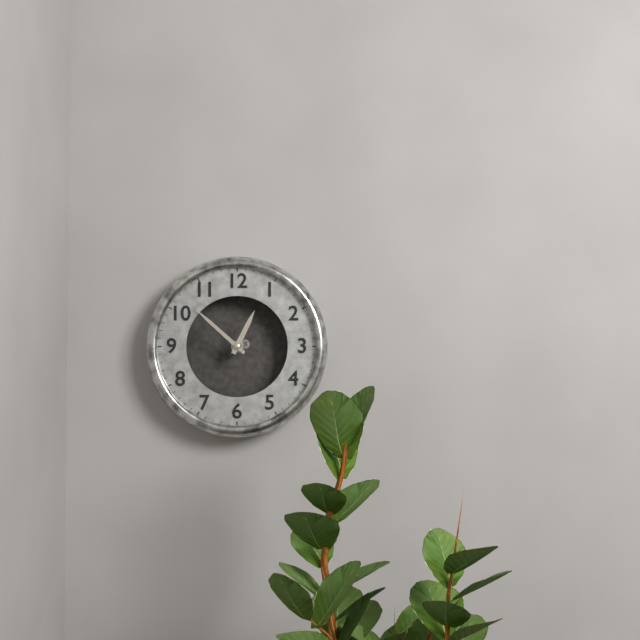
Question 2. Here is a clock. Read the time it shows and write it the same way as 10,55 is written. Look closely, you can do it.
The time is 12,52
